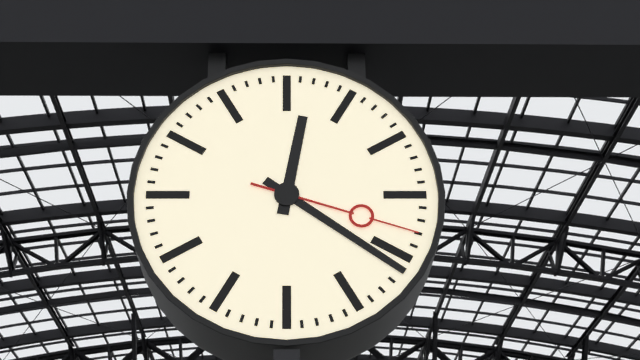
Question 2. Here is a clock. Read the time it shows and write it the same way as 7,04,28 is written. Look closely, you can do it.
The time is 12,21,18
